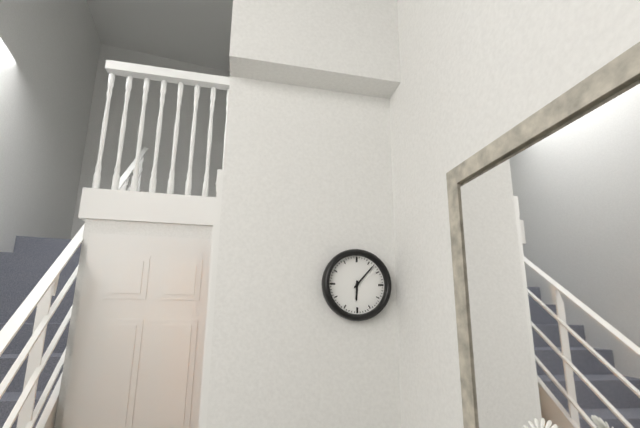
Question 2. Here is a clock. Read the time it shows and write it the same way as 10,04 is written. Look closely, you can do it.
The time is 6,07
